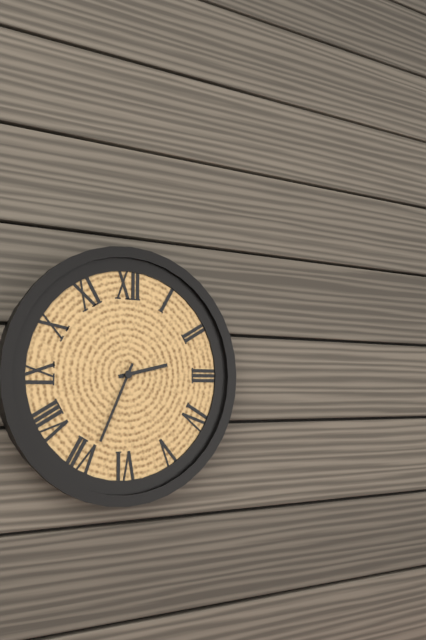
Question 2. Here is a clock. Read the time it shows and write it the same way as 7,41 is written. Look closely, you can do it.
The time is 2,34
